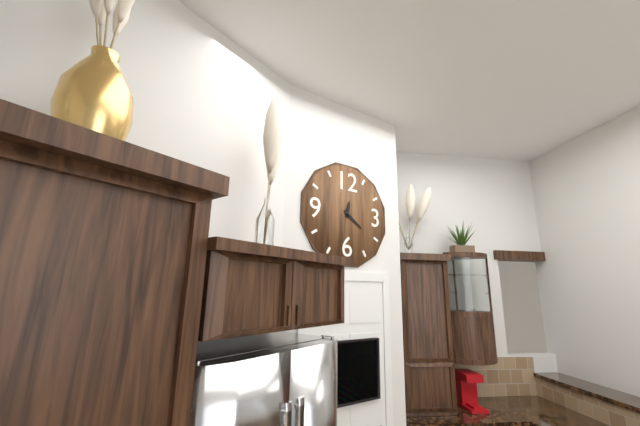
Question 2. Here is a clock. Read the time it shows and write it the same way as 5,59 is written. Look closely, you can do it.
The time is 12,21
